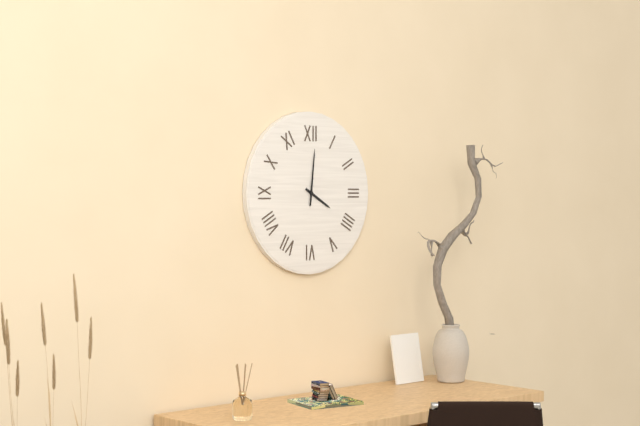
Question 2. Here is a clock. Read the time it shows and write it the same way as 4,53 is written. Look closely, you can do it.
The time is 4,01
